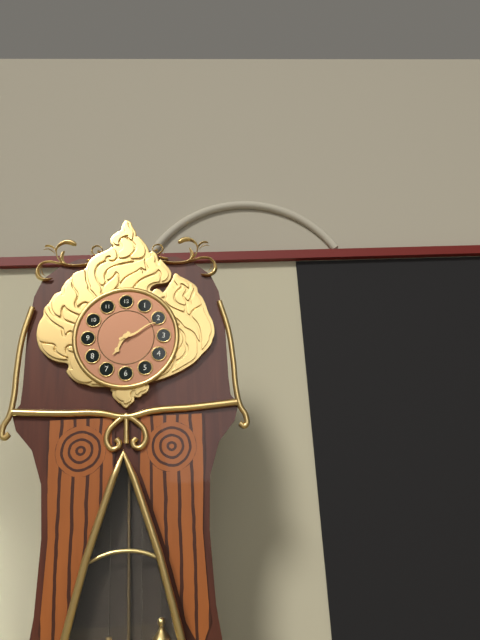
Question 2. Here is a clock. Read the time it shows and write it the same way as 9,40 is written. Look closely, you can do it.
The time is 7,11
